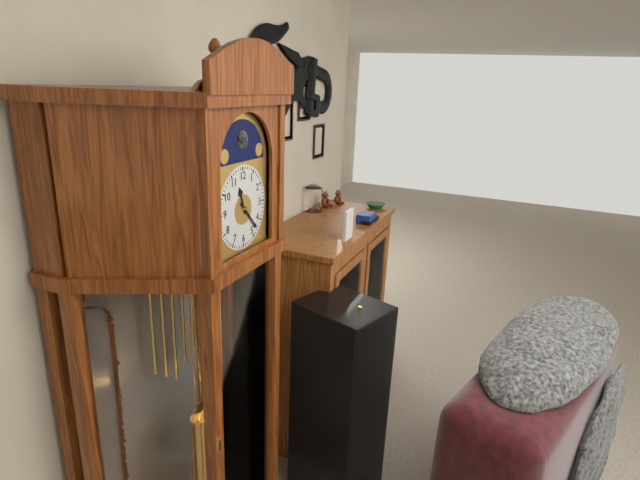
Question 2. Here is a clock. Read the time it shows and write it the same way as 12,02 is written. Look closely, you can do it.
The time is 11,23
